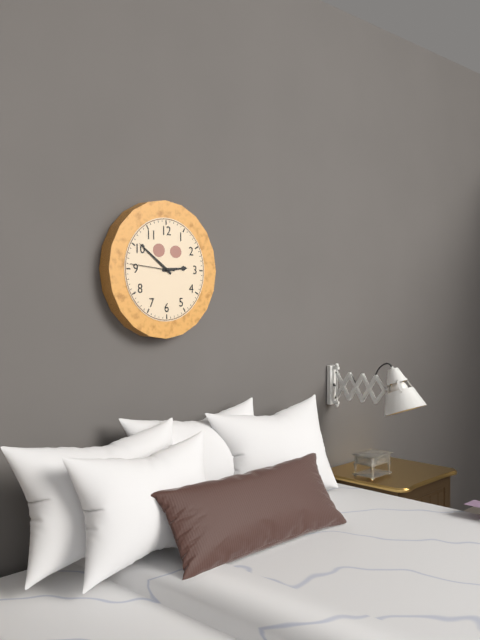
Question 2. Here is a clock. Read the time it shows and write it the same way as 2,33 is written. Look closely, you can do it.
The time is 2,51
